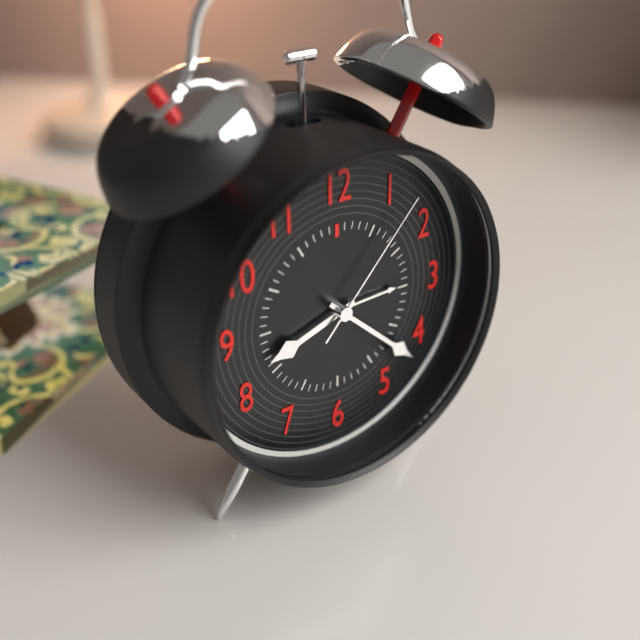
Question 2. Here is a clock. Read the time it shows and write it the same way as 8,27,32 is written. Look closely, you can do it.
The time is 8,22,07
